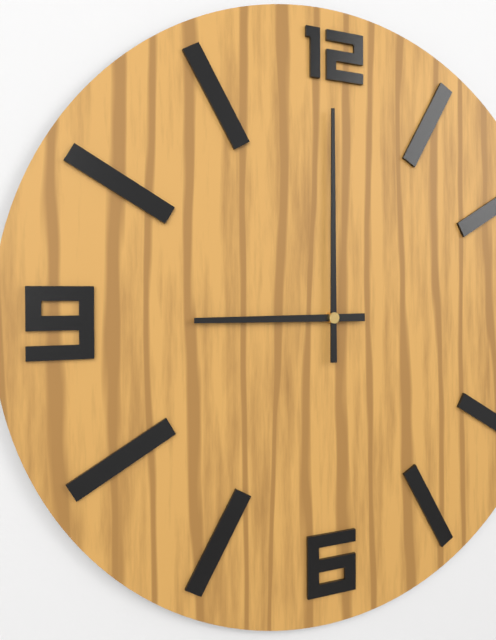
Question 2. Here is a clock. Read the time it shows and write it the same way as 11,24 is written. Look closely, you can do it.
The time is 9,00
